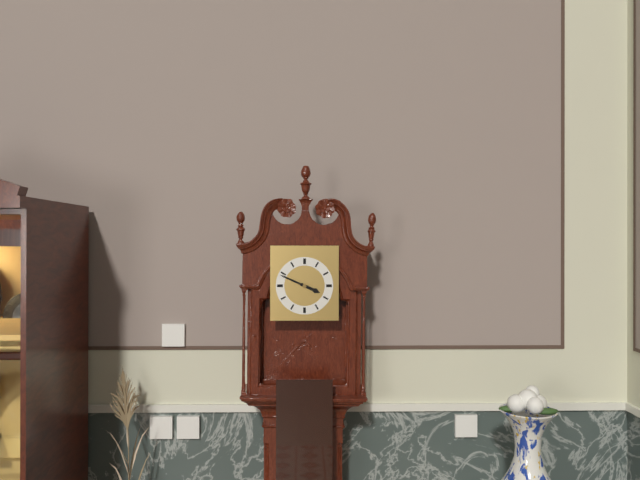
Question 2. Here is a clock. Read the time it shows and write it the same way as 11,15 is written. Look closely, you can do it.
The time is 3,49
